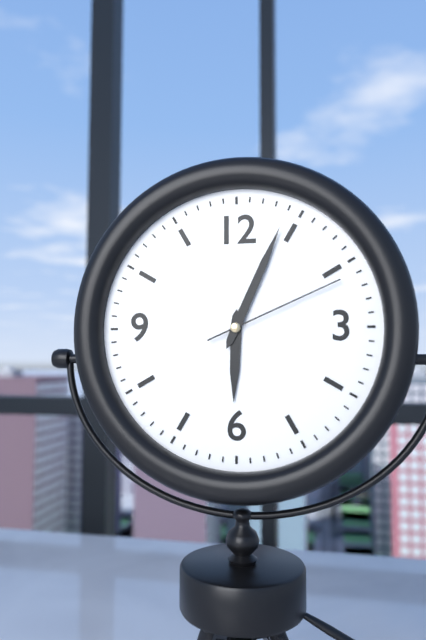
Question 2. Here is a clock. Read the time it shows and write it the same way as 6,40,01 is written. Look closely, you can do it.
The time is 6,04,11
